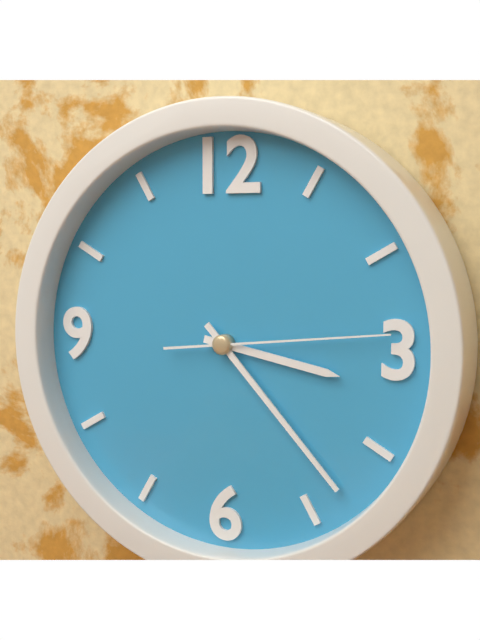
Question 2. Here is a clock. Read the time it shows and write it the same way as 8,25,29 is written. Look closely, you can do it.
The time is 3,23,14
